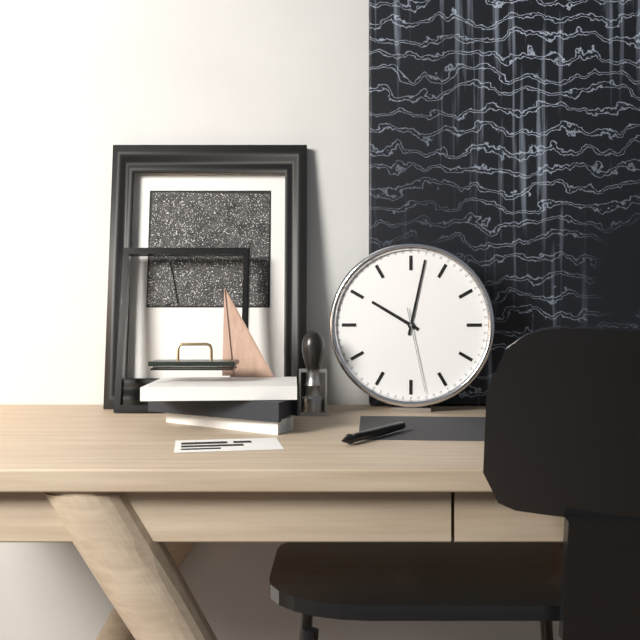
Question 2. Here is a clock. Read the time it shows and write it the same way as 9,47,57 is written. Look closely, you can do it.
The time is 10,02,28
